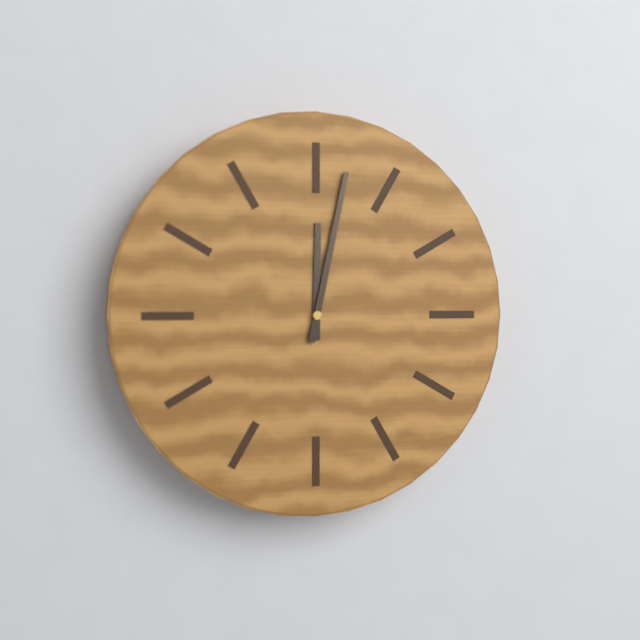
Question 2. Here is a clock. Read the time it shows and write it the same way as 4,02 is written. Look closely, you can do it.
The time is 12,02
